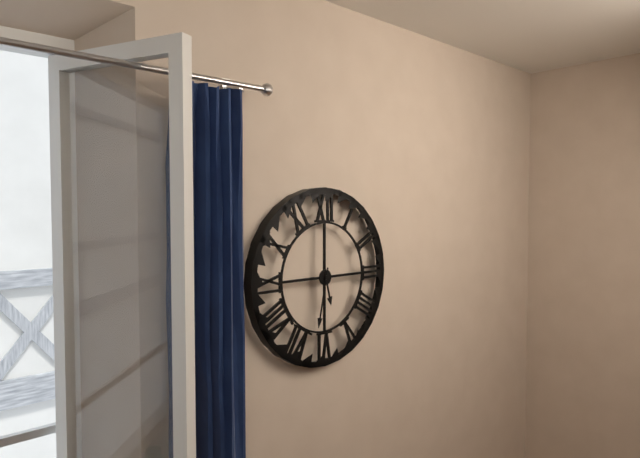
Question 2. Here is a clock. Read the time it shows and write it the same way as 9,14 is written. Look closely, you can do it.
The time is 5,32
